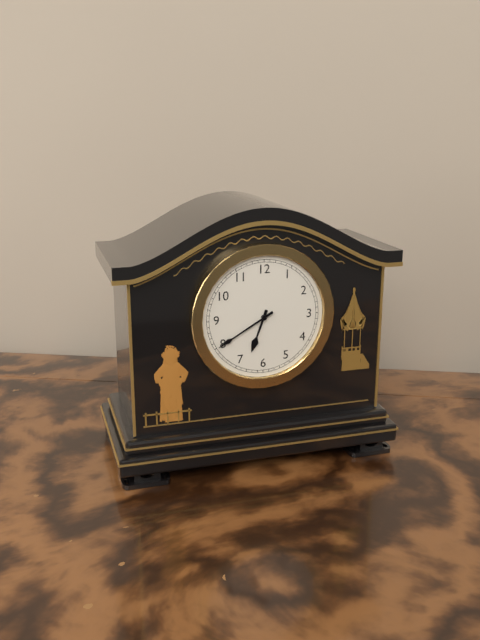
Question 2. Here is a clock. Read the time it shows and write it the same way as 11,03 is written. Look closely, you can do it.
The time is 6,40
